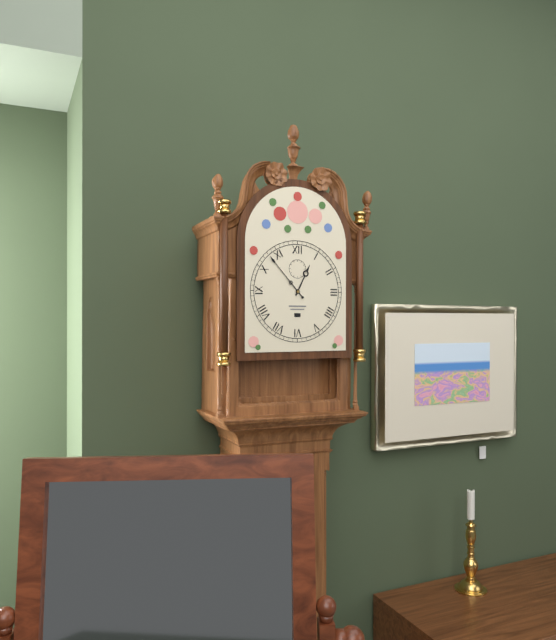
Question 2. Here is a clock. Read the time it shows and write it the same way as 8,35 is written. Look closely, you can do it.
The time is 12,53
